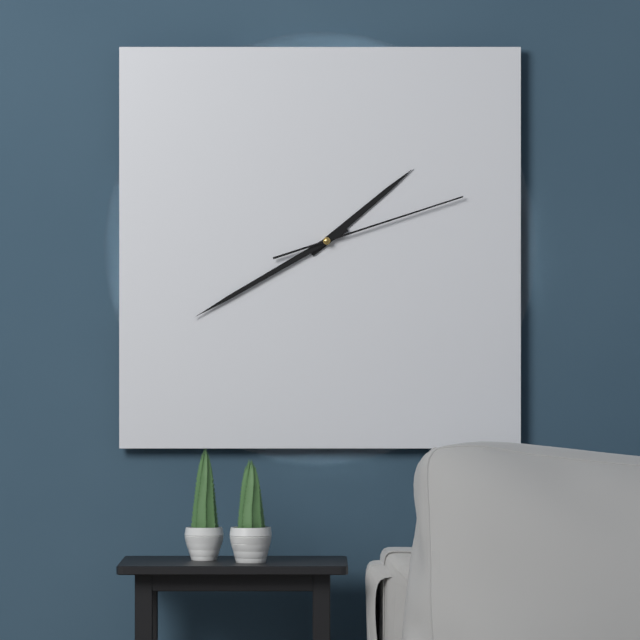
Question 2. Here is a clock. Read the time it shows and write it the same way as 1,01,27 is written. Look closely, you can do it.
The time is 1,40,12
